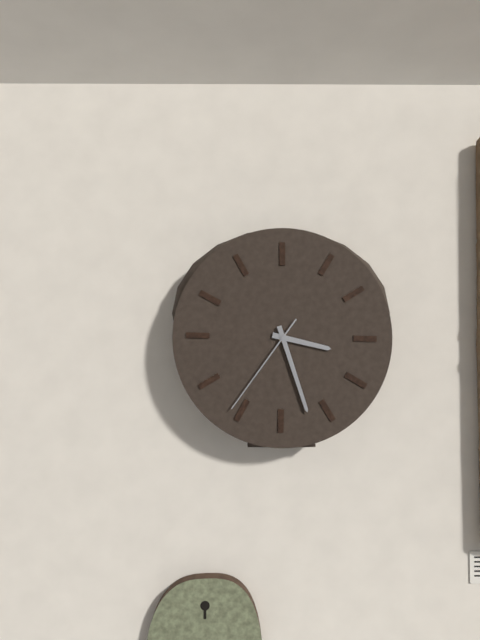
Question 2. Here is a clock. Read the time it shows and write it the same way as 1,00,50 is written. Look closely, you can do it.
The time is 3,27,36
